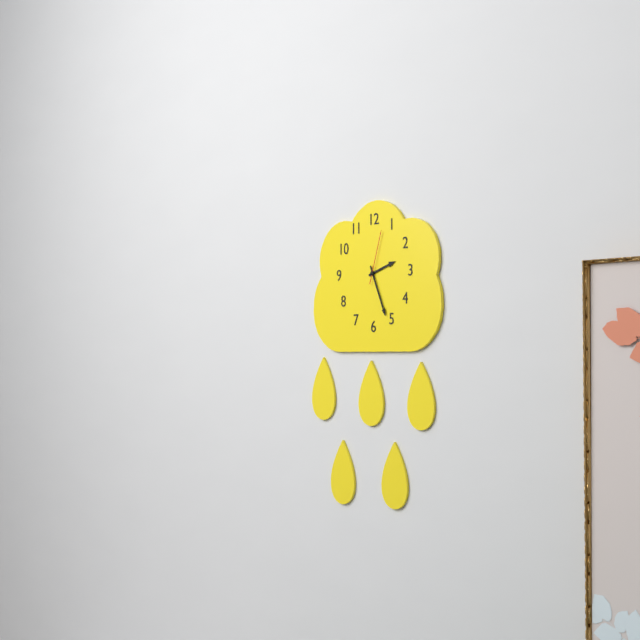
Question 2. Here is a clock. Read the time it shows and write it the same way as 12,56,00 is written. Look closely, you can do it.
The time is 2,26,03
